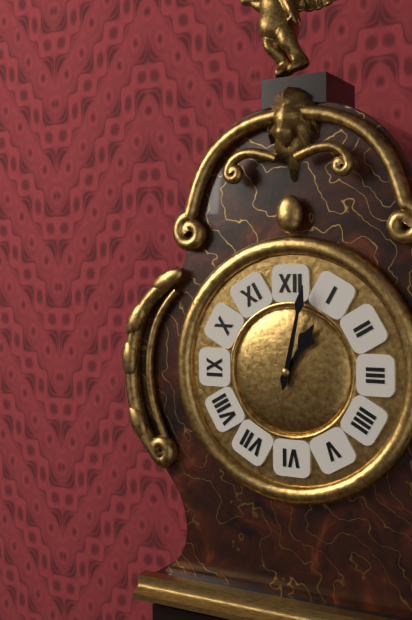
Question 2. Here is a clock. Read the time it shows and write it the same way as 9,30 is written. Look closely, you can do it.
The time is 1,02
